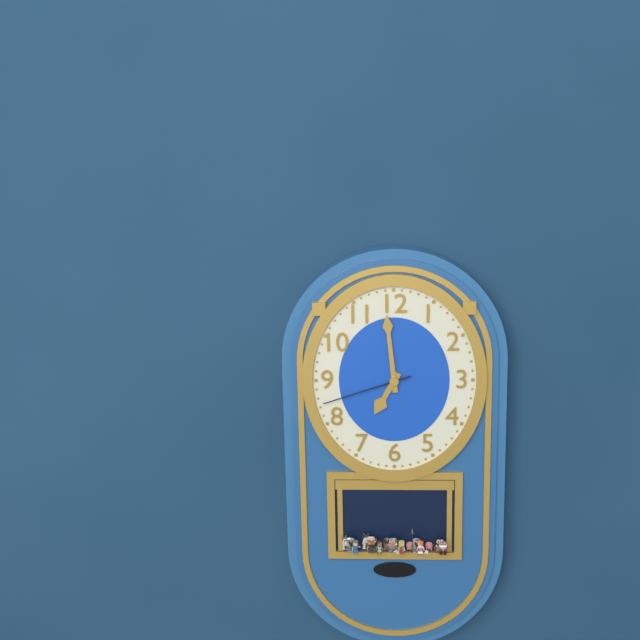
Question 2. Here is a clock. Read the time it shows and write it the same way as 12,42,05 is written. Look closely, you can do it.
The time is 6,59,42
